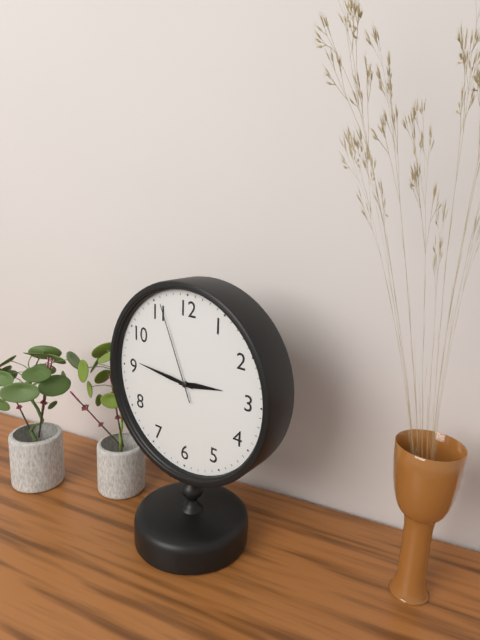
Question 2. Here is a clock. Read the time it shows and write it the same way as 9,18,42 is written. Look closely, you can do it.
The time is 2,46,56
